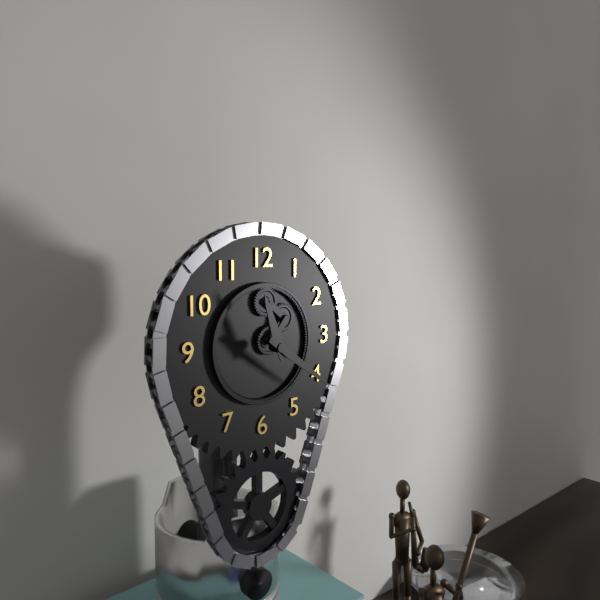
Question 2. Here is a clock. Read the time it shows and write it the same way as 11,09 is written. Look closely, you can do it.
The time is 11,21
